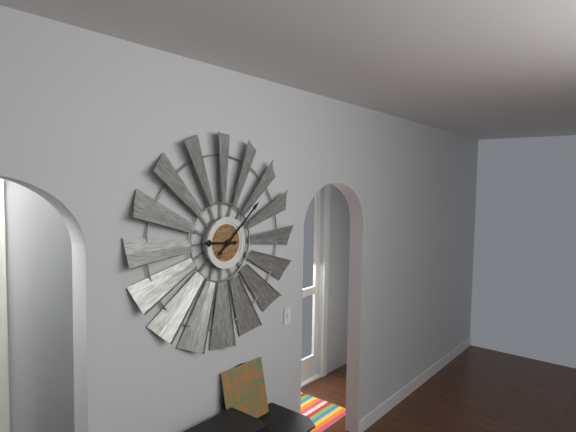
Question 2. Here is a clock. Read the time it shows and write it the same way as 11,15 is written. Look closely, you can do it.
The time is 9,08
